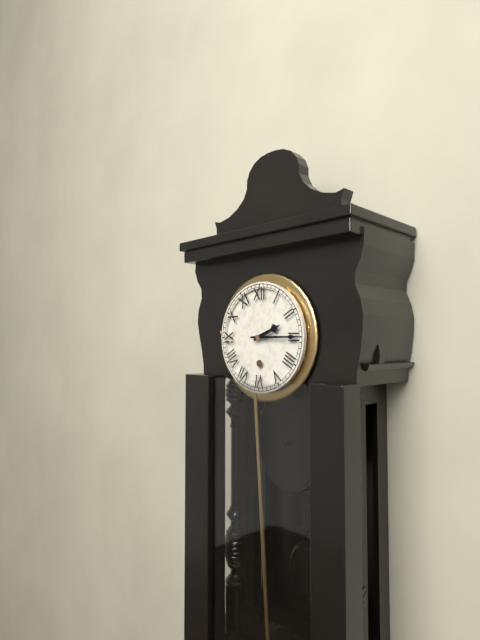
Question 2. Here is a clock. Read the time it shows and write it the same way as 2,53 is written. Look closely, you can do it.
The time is 2,15
